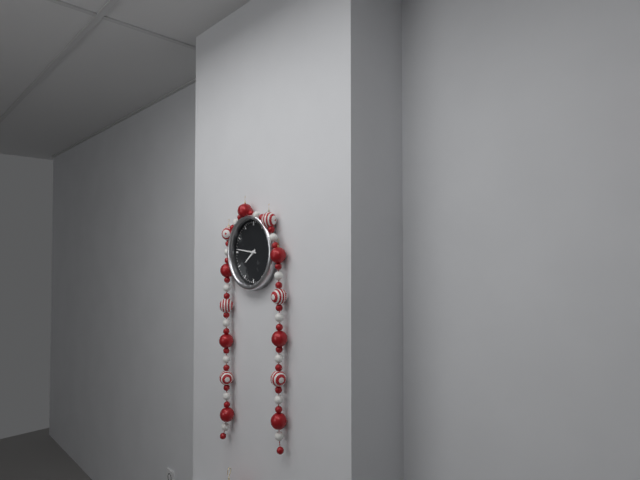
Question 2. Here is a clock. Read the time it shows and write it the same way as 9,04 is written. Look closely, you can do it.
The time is 7,46
